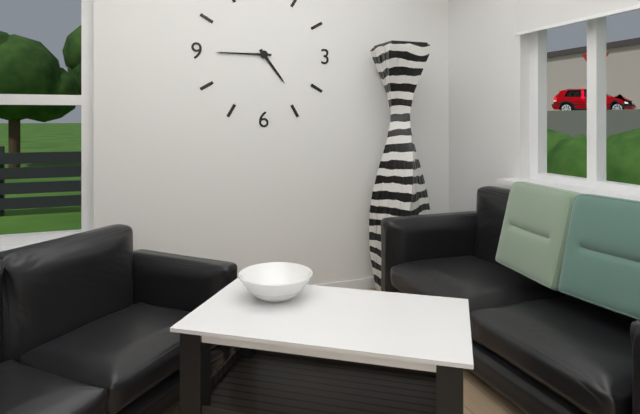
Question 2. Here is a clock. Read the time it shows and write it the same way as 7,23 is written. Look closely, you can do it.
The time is 4,45
